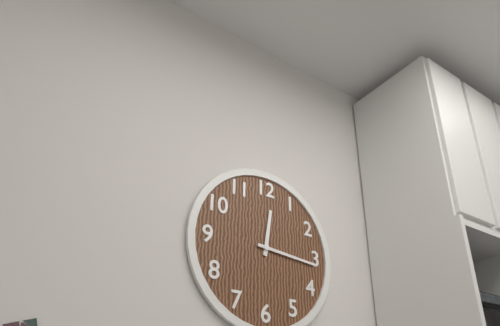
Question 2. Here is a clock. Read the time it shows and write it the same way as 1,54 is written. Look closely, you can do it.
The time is 12,16
